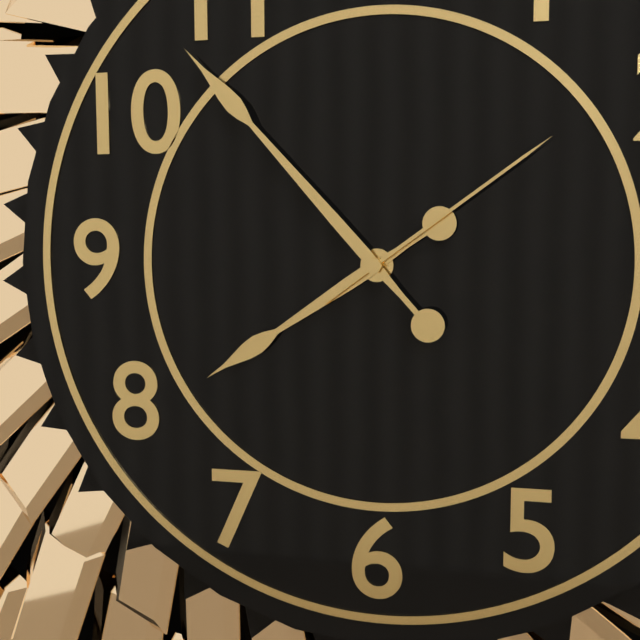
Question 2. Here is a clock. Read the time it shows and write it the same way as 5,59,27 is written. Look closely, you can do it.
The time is 7,53,09
